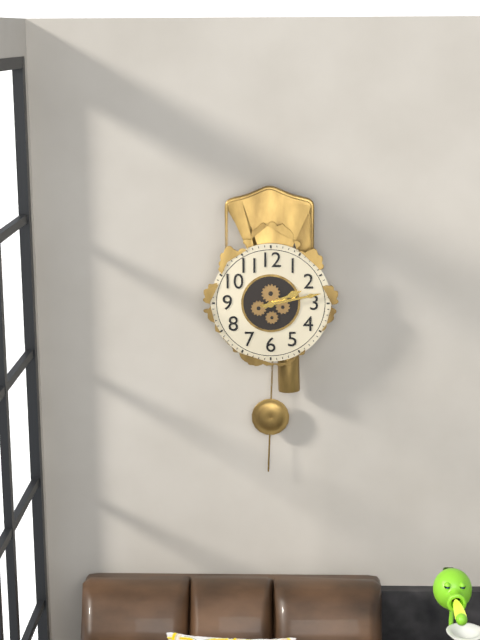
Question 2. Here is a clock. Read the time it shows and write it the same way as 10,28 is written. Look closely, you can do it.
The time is 2,13
